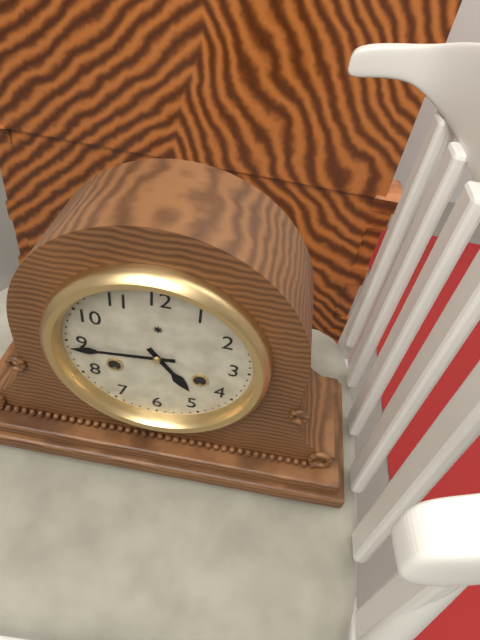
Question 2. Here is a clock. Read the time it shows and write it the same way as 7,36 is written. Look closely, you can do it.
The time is 4,44
